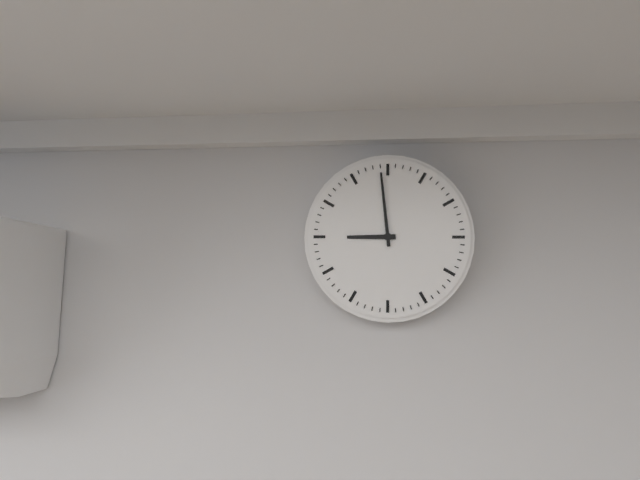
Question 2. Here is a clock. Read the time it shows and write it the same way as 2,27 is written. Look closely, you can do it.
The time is 8,59
